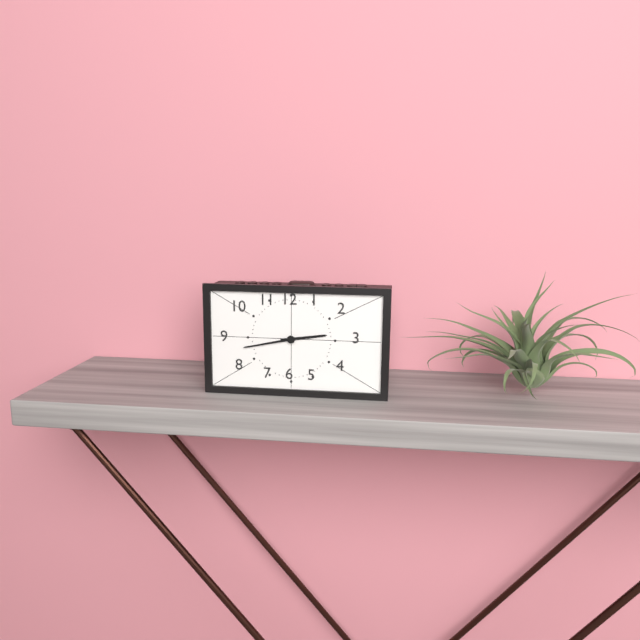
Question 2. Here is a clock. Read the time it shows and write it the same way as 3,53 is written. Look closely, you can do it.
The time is 2,43
